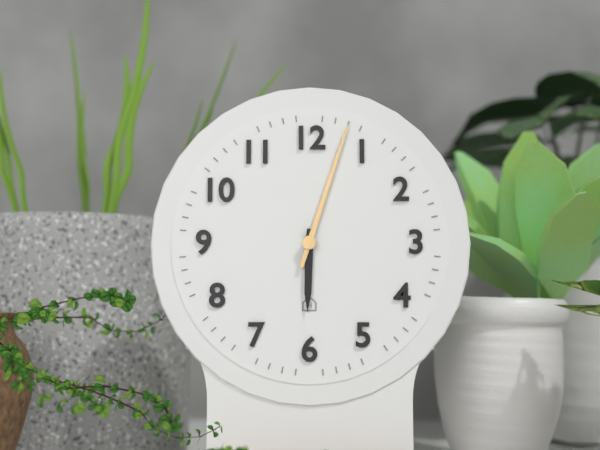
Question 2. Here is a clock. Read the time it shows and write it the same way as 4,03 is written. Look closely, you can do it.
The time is 6,03
